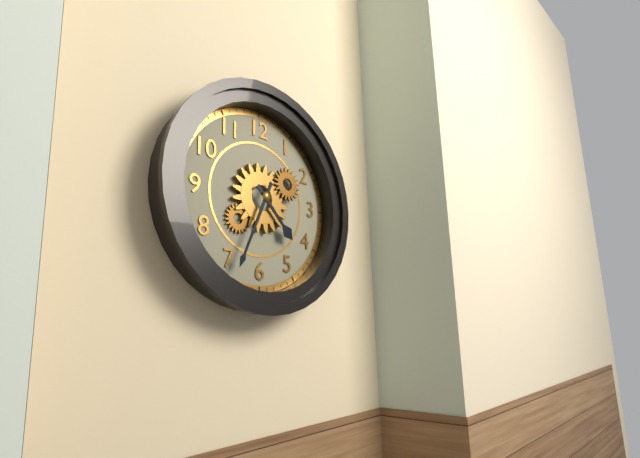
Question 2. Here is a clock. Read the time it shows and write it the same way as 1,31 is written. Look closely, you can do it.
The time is 4,34
